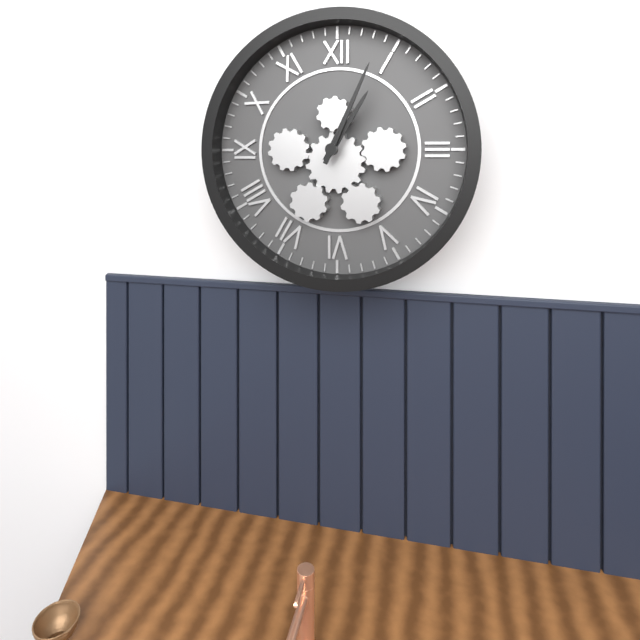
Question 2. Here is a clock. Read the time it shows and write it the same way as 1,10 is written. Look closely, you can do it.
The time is 1,04
